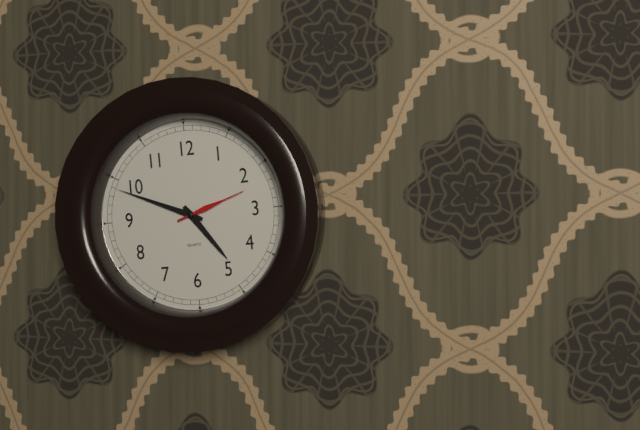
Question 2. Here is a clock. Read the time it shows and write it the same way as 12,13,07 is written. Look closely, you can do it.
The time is 4,49,12
